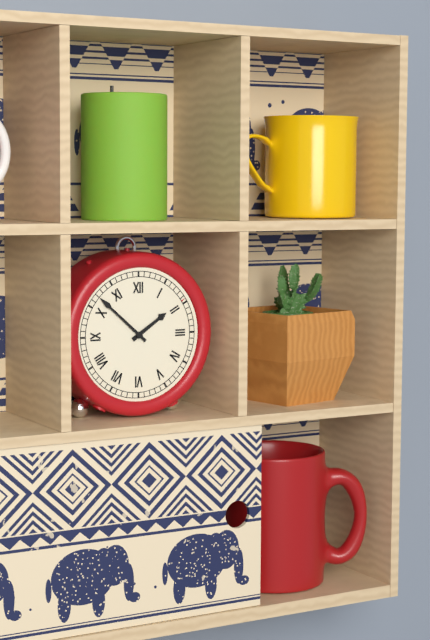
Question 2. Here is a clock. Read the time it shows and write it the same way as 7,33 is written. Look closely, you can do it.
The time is 1,52
